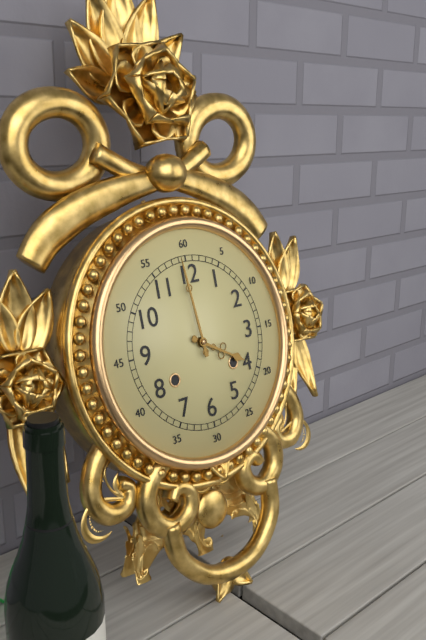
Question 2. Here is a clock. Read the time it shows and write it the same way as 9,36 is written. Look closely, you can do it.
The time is 3,59
